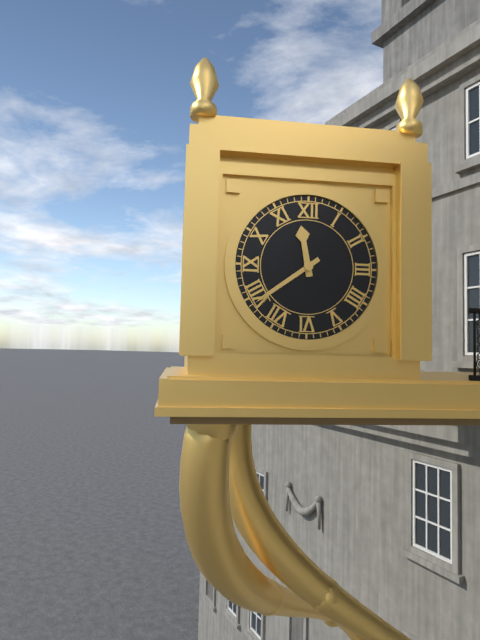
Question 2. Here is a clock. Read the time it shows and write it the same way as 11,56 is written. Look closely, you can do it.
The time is 11,39
